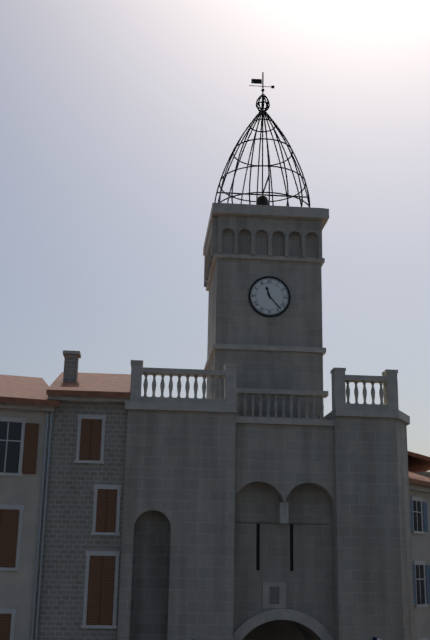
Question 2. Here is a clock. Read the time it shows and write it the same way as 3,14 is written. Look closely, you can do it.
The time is 11,23
